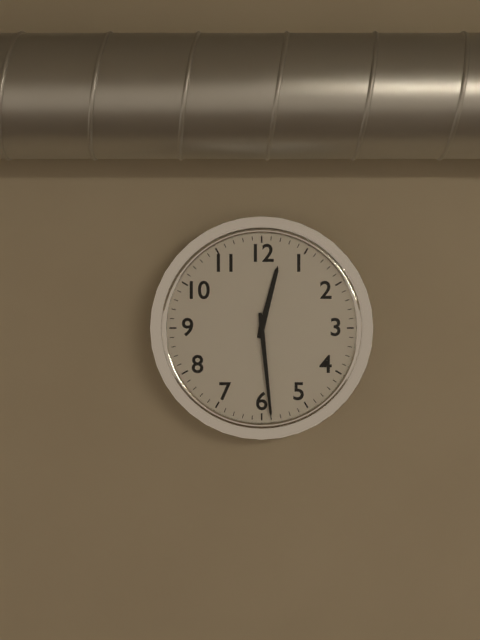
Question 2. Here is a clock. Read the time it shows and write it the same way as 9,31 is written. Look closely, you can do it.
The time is 12,29
